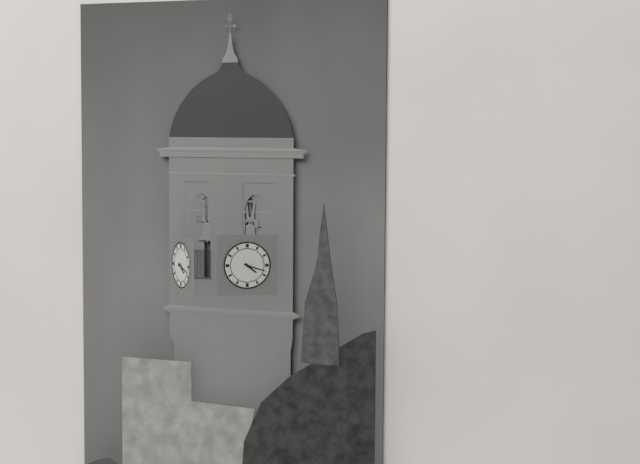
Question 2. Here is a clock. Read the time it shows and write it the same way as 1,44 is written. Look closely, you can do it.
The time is 4,18
